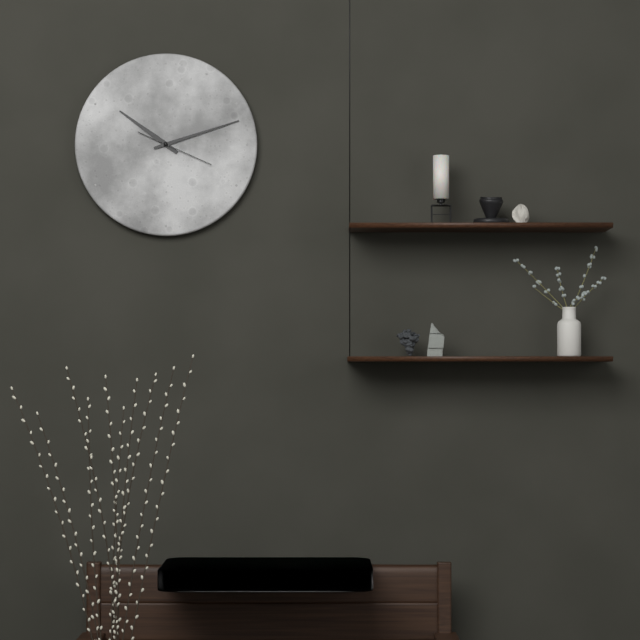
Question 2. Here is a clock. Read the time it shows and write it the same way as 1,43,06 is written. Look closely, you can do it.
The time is 10,12,19
